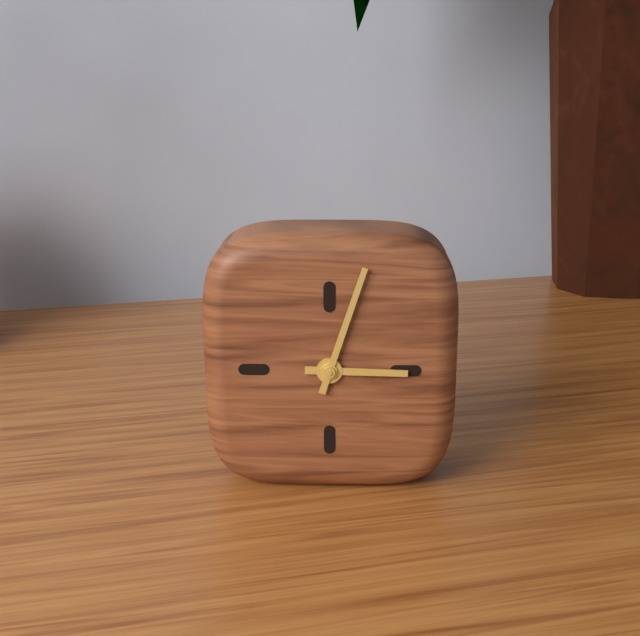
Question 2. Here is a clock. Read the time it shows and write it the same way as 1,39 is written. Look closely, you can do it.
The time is 3,03
